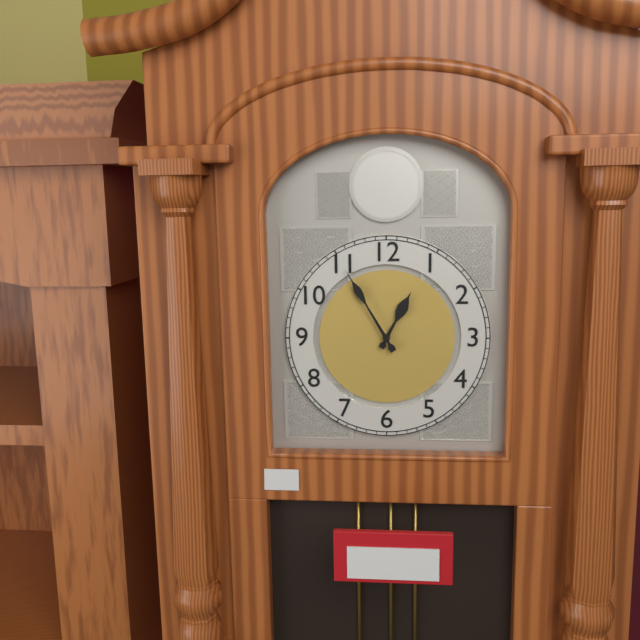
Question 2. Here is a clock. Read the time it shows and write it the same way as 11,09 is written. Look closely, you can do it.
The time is 12,55
